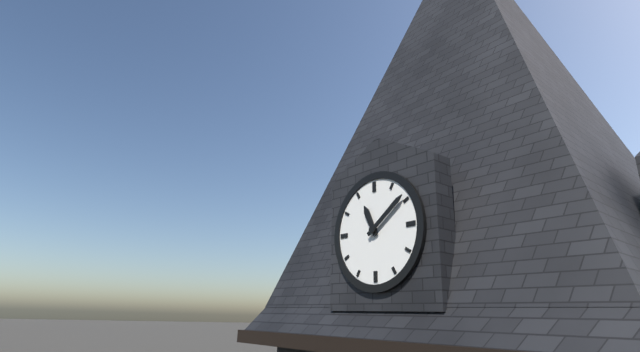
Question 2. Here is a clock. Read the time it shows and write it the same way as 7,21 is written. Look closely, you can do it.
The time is 11,09
